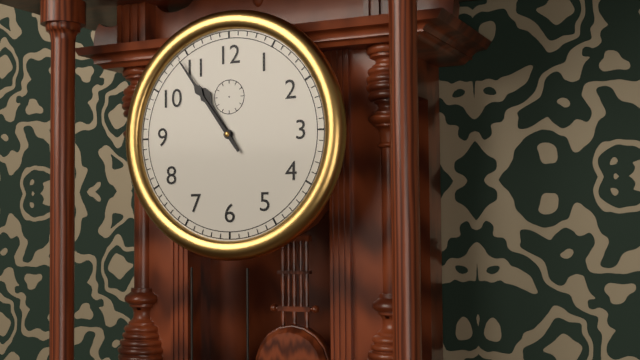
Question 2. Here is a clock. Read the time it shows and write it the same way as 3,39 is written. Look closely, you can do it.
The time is 10,54
